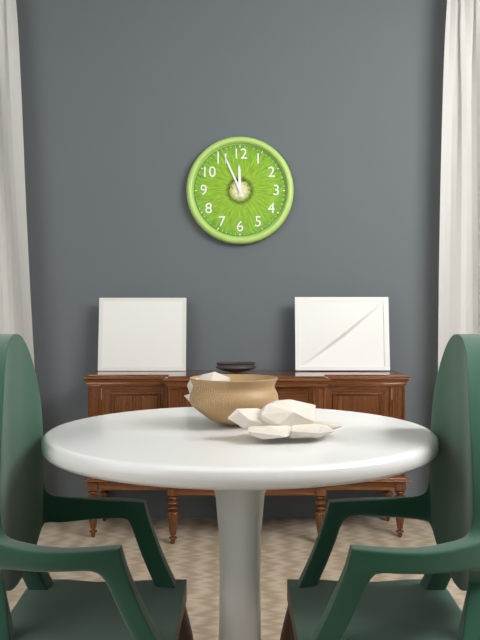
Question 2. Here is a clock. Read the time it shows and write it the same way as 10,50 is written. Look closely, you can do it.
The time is 11,56
